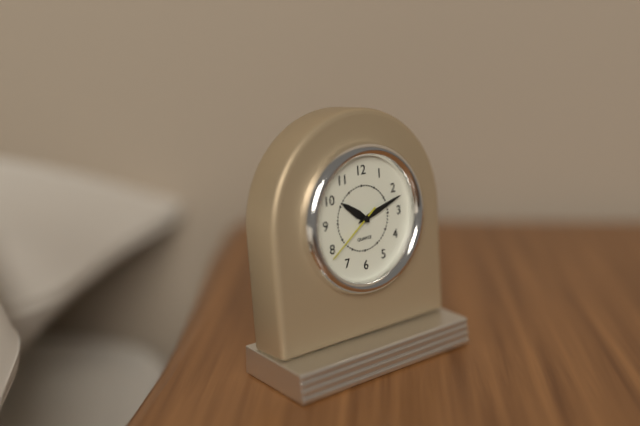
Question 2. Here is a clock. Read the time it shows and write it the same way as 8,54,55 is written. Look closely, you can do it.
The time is 10,12,39
